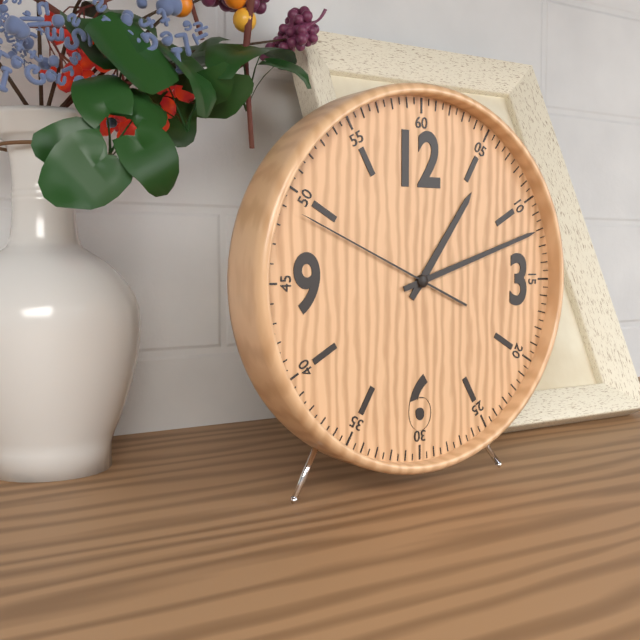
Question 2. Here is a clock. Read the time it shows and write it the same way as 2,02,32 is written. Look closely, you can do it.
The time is 1,12,49
